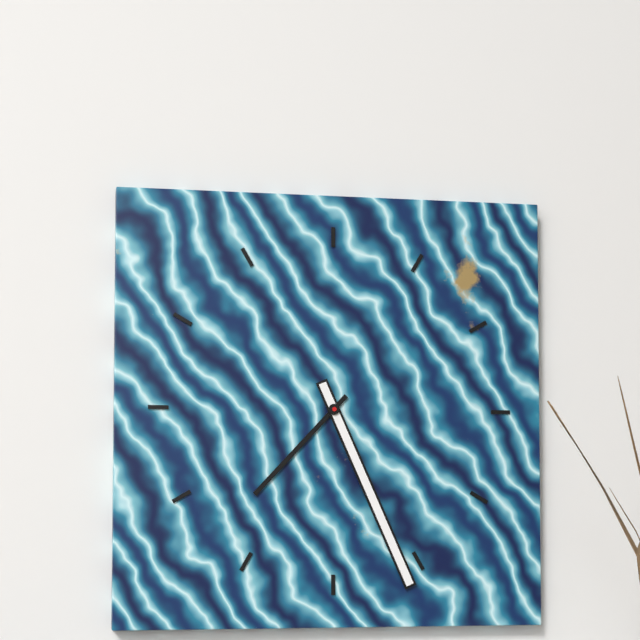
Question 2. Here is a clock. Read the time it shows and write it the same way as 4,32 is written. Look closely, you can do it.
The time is 7,26
